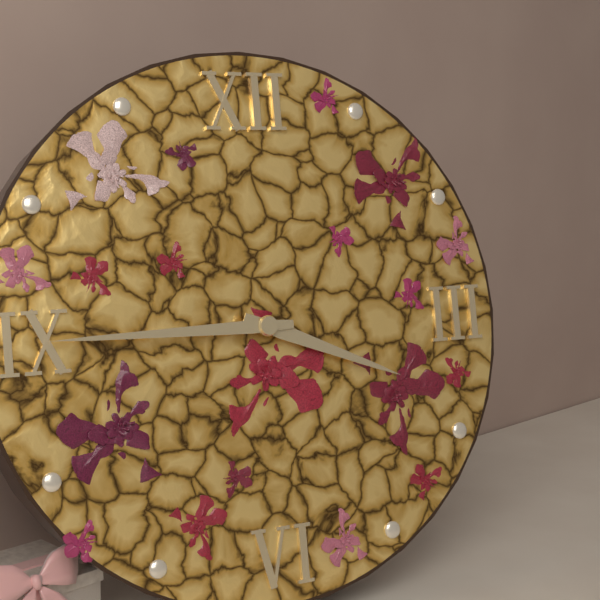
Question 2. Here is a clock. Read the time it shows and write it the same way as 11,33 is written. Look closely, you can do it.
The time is 3,45
